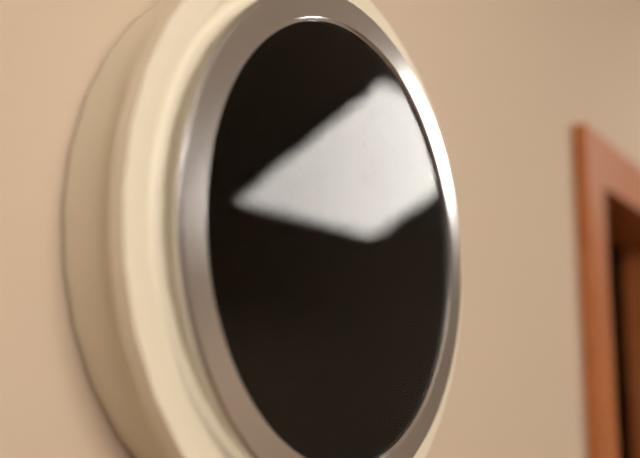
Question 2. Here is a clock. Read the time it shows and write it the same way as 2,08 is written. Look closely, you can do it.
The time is 8,50
